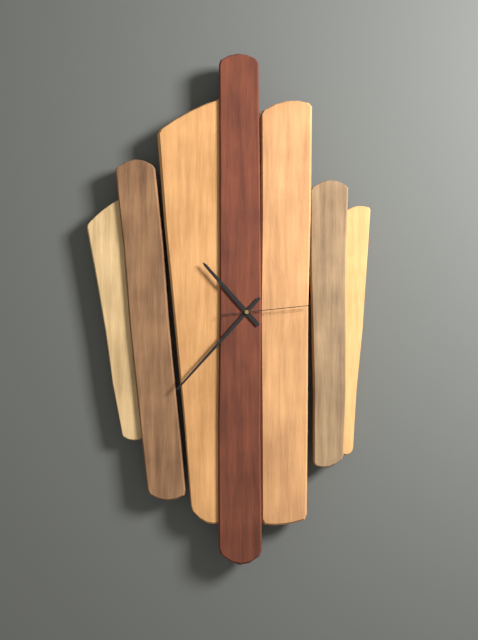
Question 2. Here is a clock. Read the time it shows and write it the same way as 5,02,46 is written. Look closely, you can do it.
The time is 10,37,14
